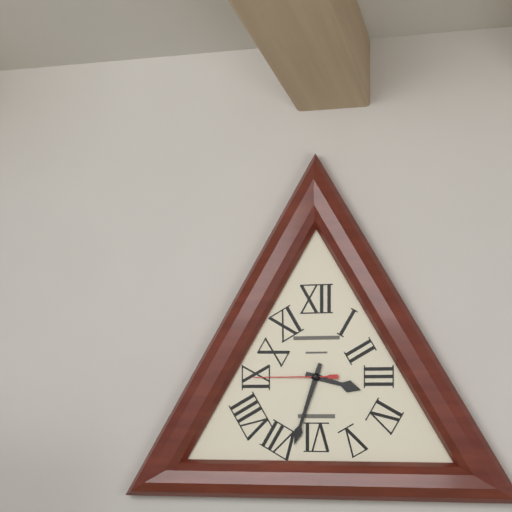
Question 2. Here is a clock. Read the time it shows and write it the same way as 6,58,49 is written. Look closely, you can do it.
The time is 3,33,45
